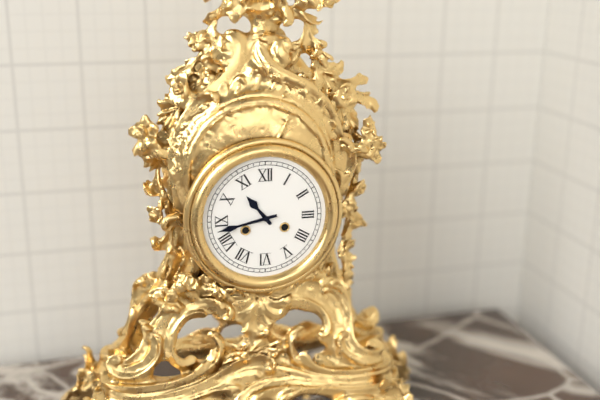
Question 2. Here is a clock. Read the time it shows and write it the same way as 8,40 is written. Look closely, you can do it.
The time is 10,43
